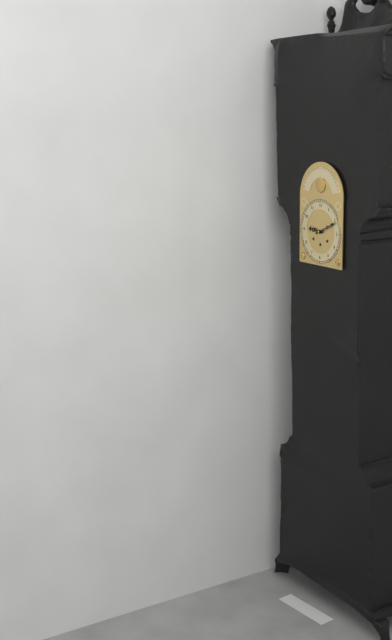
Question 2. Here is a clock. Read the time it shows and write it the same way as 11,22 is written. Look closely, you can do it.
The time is 9,11
